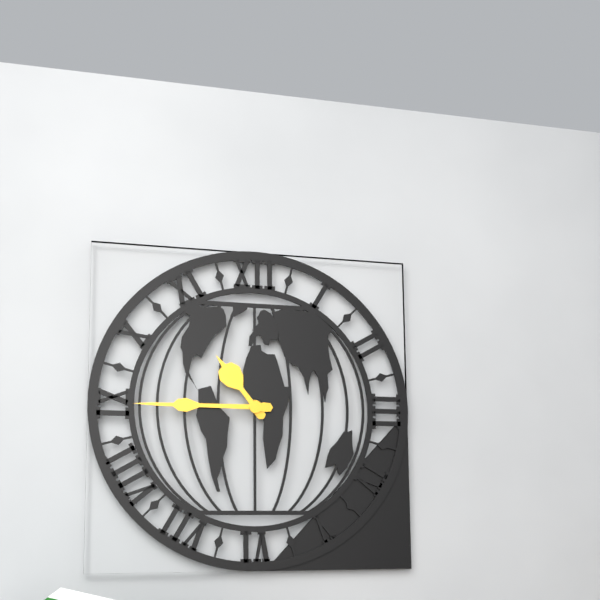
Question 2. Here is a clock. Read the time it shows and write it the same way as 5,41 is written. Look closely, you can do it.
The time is 10,45
